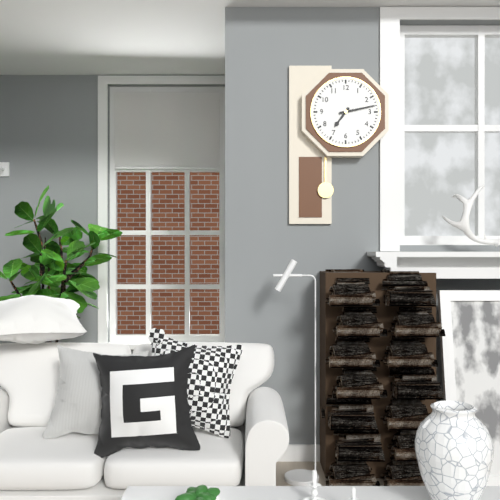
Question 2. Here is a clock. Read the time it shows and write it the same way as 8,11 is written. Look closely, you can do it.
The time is 7,13
